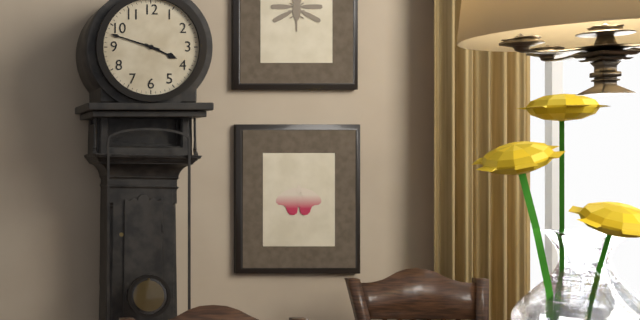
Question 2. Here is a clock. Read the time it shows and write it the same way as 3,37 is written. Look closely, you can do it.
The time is 3,48
